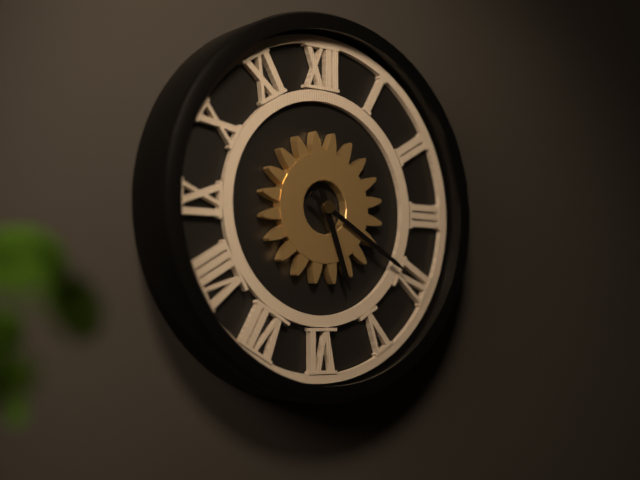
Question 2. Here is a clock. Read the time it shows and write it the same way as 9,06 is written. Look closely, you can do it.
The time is 5,20
